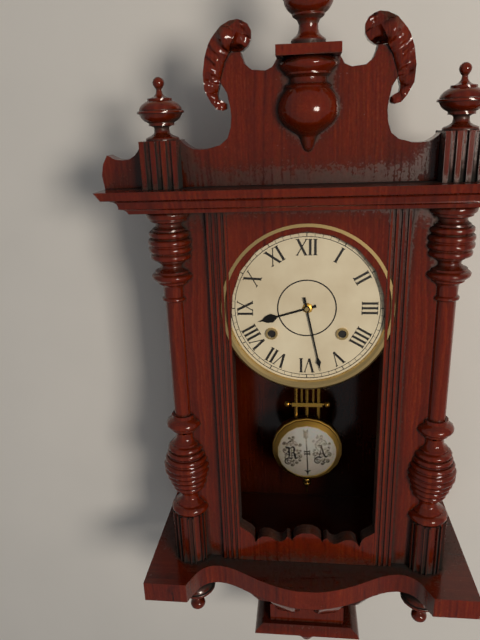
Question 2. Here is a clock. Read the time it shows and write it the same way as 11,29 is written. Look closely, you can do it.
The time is 8,28
